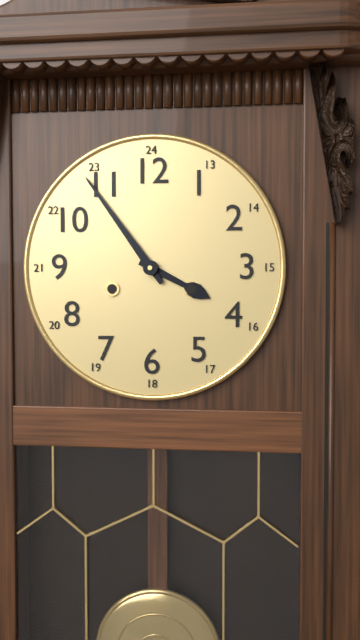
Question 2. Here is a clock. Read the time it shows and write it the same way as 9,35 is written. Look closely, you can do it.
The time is 3,54
